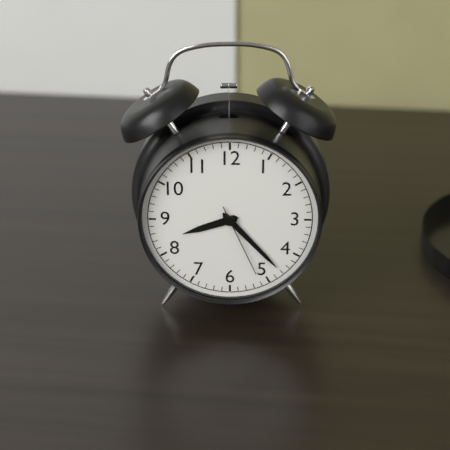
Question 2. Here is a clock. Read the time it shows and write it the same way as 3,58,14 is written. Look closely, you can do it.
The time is 8,23,26
